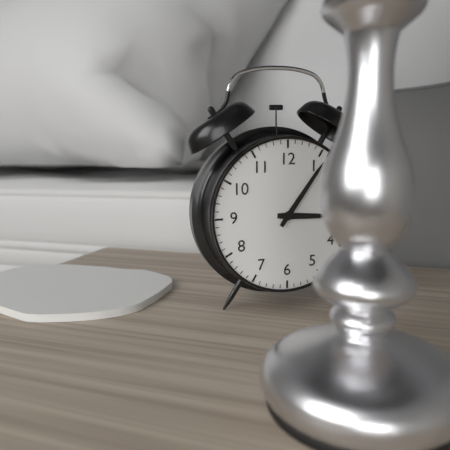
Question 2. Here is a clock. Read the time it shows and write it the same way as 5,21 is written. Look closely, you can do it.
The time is 3,06
